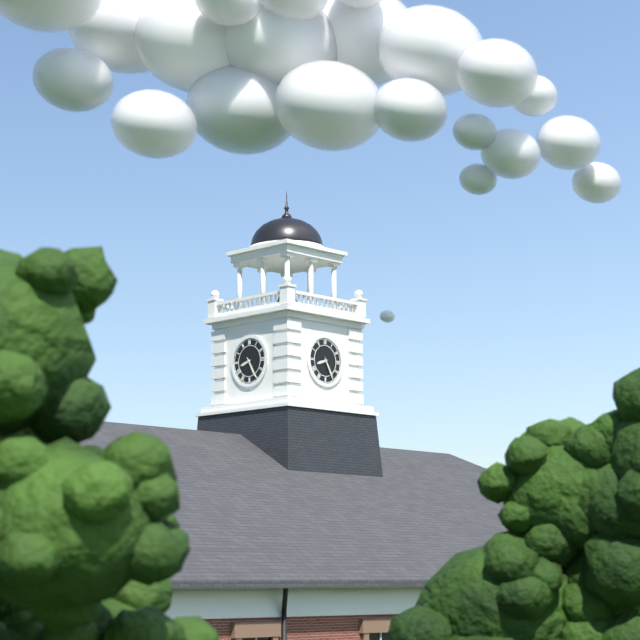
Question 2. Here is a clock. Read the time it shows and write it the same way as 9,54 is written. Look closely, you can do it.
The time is 8,25
